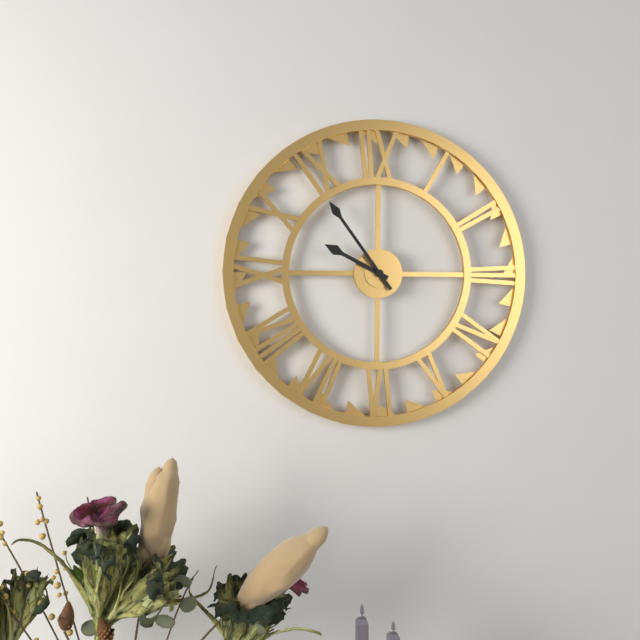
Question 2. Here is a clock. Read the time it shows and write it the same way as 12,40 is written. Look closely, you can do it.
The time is 9,54
